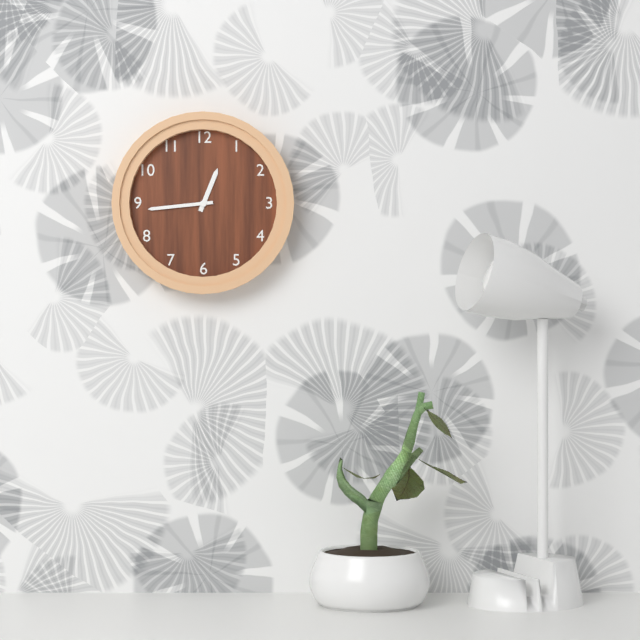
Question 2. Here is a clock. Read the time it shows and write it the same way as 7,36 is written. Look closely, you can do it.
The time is 12,44
